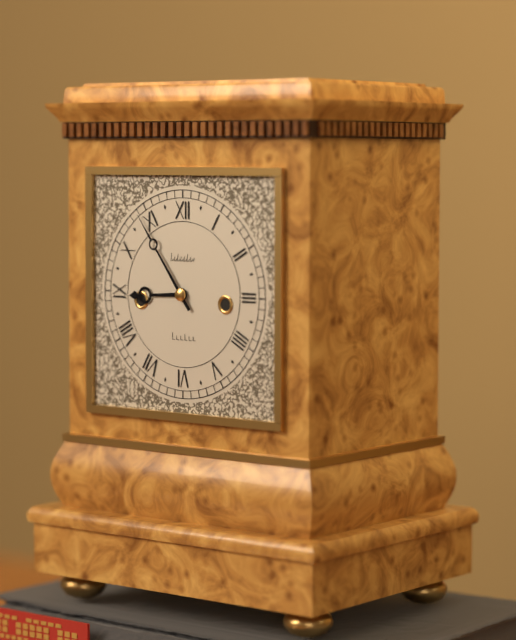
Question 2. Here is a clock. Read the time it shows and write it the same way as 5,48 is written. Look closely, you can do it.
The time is 8,54
